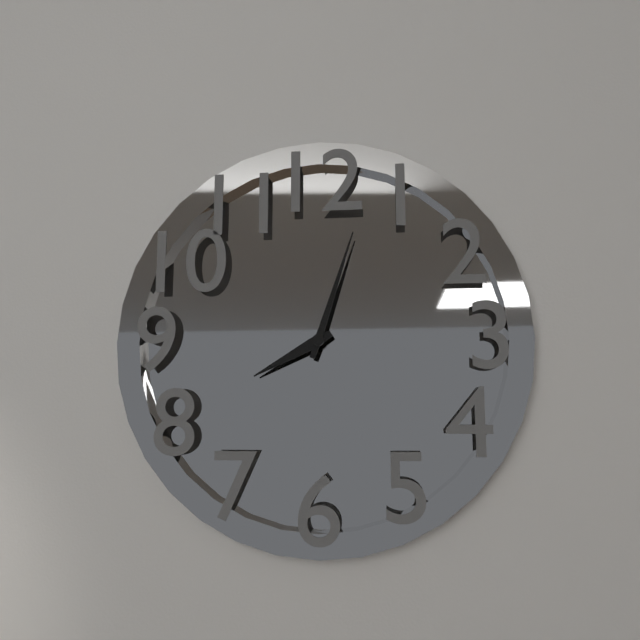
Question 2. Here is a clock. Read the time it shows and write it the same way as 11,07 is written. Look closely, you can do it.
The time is 8,03
